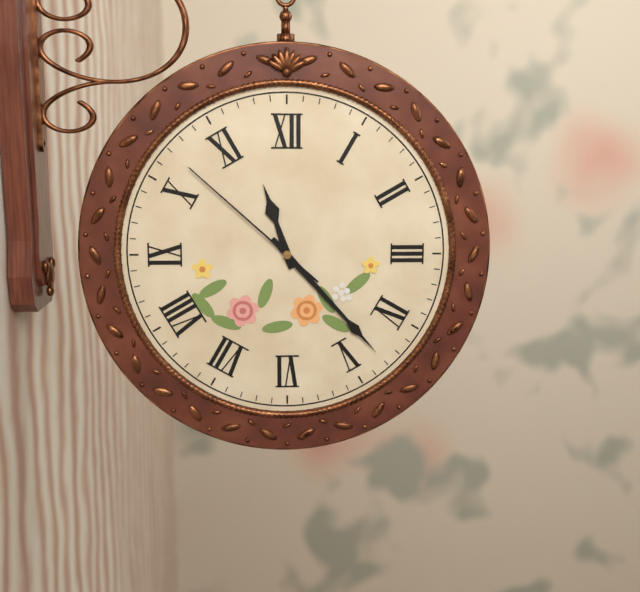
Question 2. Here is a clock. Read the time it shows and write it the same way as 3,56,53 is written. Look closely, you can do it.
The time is 11,23,52
